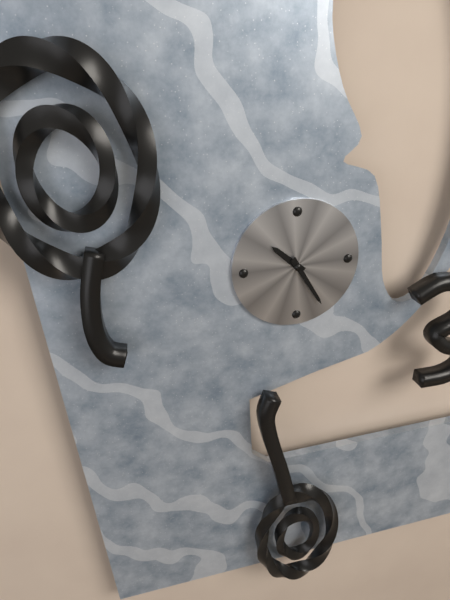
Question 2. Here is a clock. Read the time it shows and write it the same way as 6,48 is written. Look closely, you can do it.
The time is 10,25
